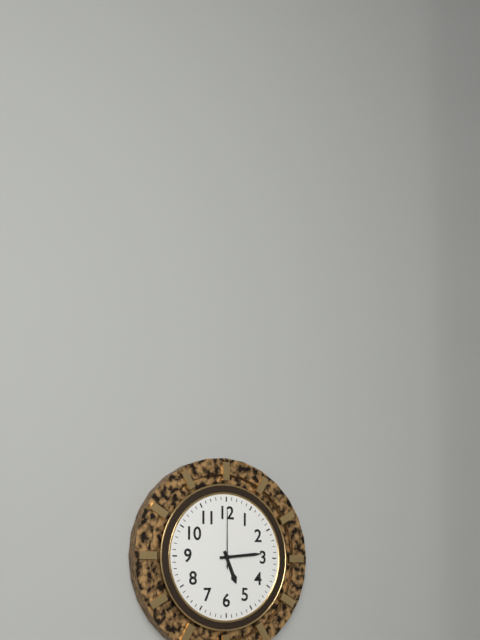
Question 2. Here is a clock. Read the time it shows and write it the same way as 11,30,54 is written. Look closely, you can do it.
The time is 5,14,00
